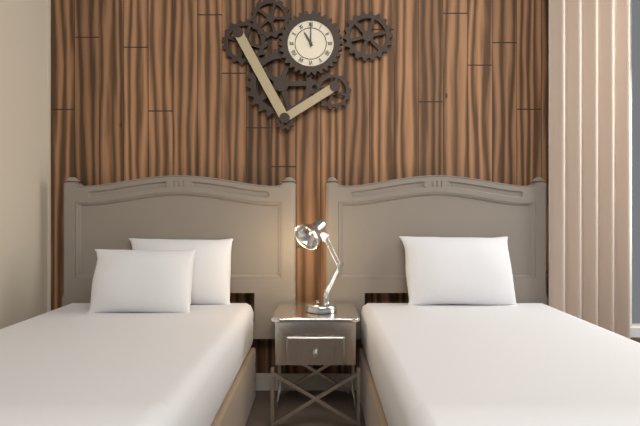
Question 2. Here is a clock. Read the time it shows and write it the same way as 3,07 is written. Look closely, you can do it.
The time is 11,00
